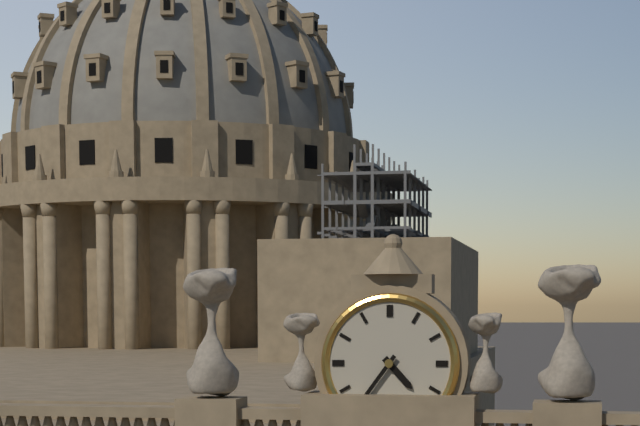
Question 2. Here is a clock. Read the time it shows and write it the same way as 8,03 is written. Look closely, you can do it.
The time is 4,36
